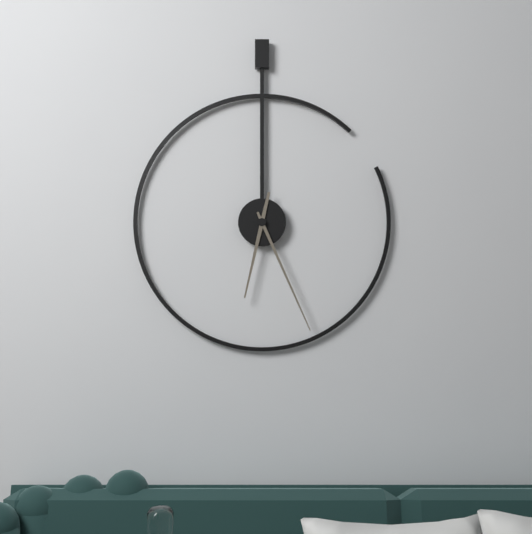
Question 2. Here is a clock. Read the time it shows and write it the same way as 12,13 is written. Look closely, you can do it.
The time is 6,26
